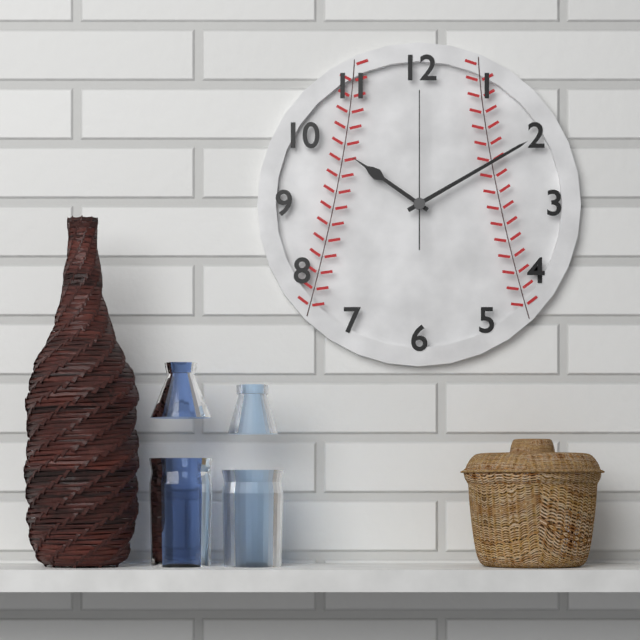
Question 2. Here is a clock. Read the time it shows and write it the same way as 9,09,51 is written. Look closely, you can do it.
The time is 10,10,00
